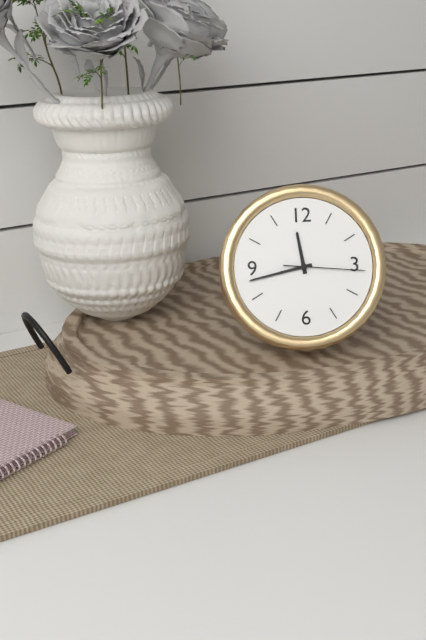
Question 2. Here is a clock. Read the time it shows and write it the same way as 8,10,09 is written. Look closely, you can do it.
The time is 11,43,16
